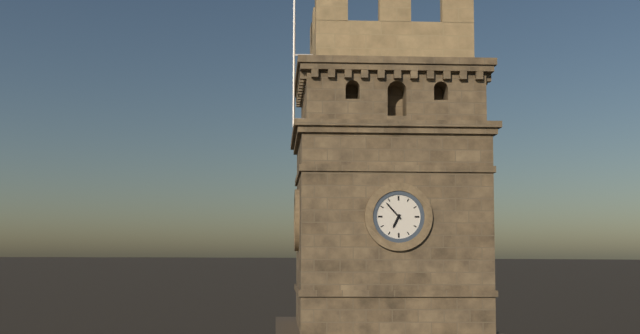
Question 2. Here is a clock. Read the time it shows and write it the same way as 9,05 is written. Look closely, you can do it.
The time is 6,53
